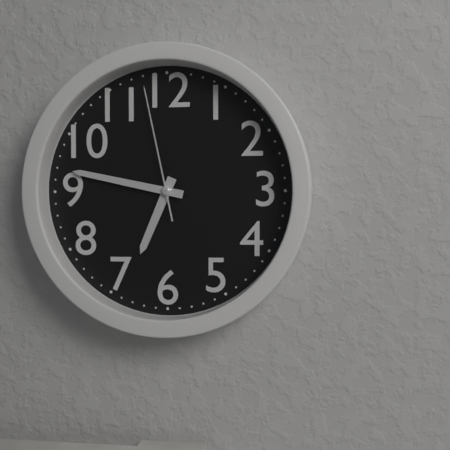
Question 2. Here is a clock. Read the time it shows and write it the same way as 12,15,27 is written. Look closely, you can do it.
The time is 6,47,58
